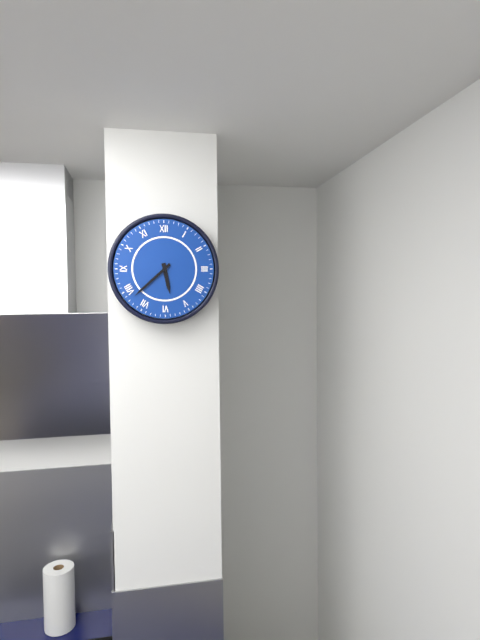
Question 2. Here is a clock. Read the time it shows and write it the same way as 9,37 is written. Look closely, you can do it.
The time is 5,38
